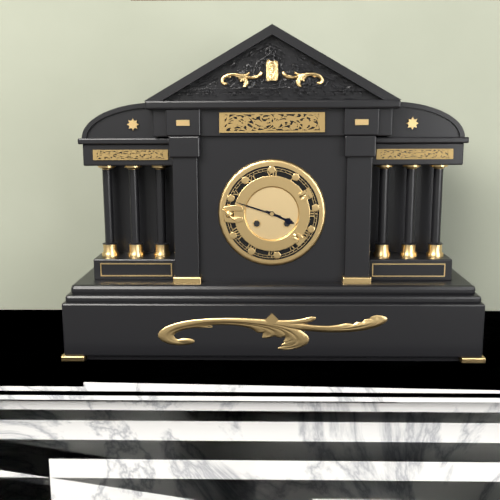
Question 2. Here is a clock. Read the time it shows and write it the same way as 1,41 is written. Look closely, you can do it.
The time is 3,48
